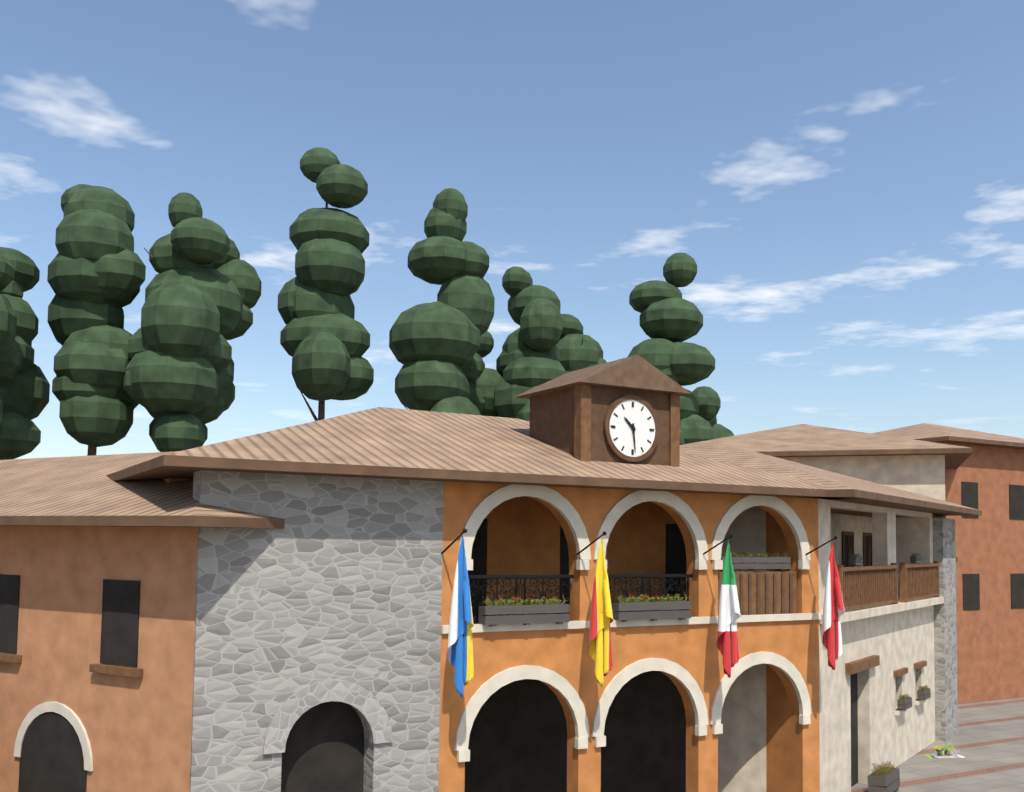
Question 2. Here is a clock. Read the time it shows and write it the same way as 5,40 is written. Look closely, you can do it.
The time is 10,29
